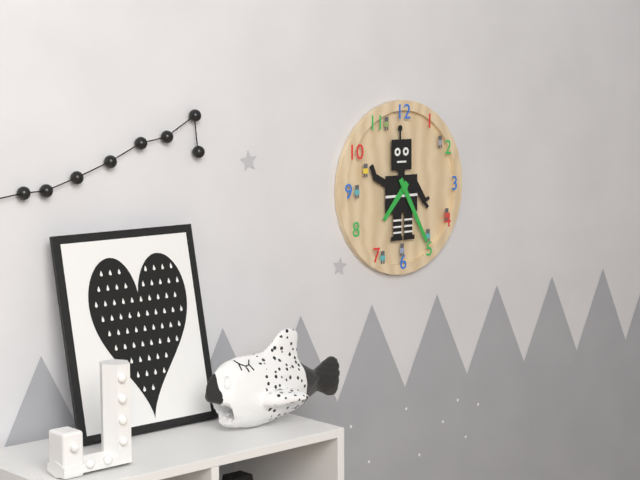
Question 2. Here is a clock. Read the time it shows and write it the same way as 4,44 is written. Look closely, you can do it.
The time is 7,25
